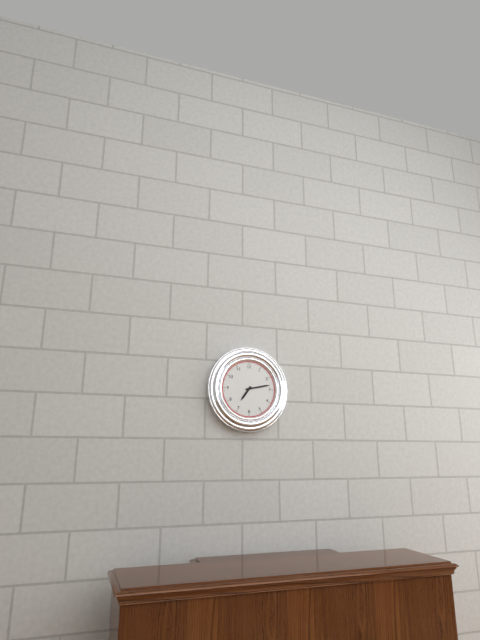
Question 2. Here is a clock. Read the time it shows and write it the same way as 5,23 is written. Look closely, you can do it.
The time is 7,13
